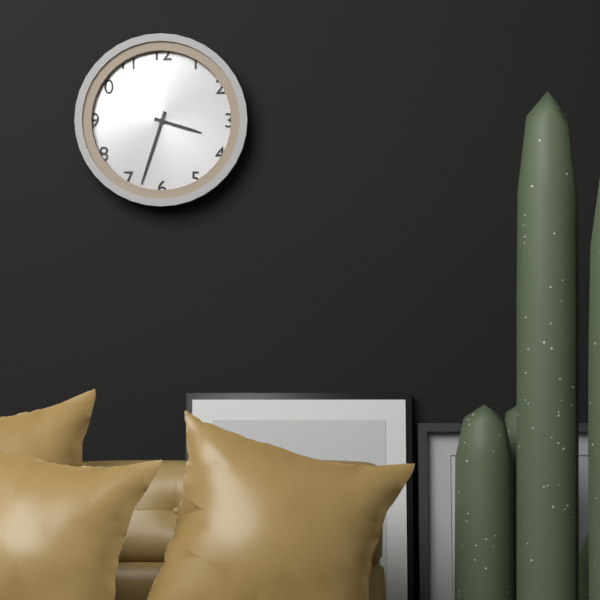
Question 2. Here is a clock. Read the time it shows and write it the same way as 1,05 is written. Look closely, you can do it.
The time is 3,33
